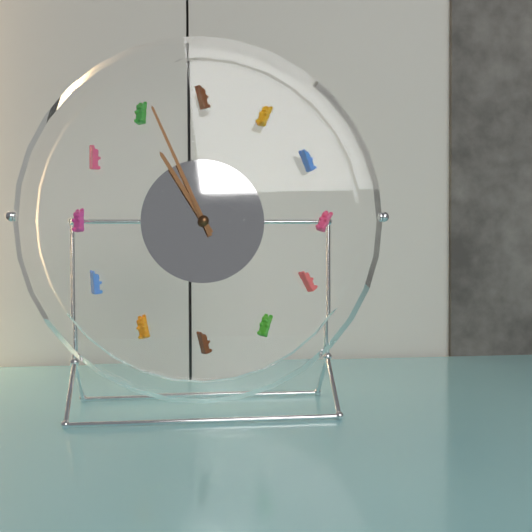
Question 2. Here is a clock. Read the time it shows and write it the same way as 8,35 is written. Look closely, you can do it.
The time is 10,56
